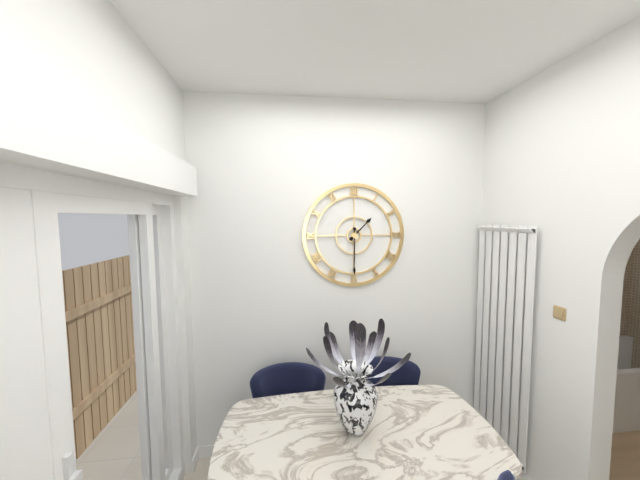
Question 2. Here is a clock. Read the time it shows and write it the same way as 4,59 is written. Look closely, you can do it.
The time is 1,30
